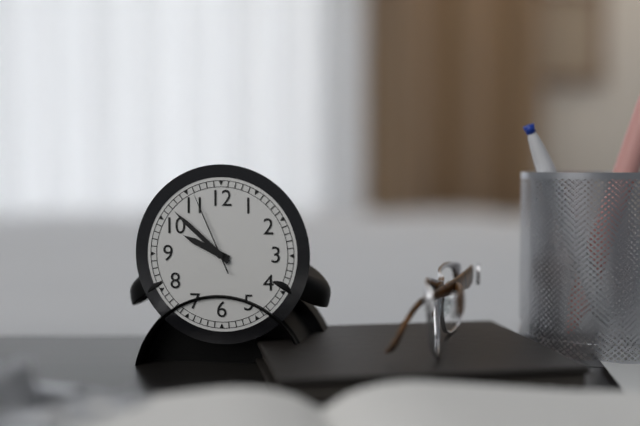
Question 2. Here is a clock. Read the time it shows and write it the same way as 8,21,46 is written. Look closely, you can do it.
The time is 9,52,56
